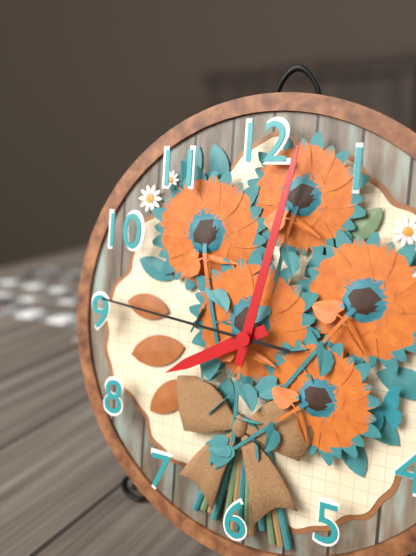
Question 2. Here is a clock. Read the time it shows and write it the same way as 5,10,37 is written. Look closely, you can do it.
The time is 8,02,46
